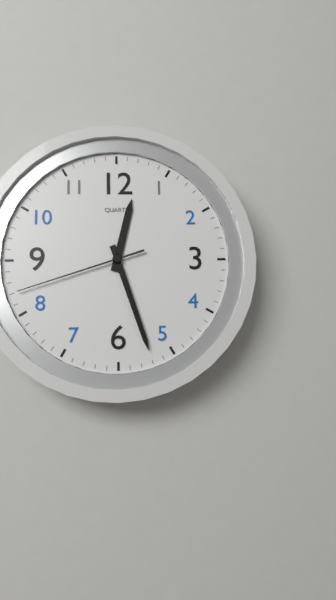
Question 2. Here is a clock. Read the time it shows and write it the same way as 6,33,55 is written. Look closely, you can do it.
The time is 12,27,42
